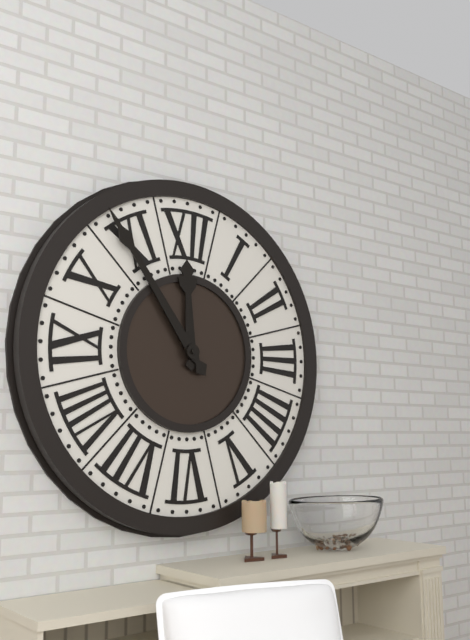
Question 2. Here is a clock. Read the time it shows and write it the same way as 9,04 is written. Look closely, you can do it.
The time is 11,54
